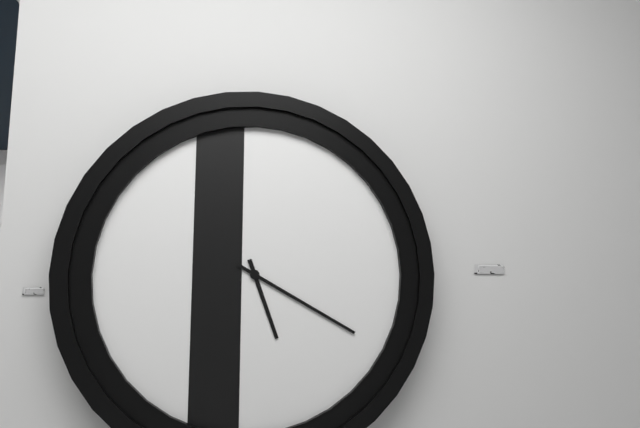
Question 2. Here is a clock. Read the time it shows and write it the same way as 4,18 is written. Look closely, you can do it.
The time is 5,20
